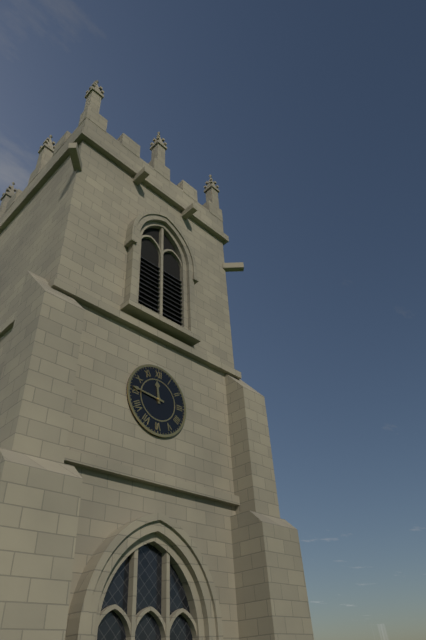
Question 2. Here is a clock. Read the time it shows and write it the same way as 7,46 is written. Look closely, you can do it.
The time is 11,46
